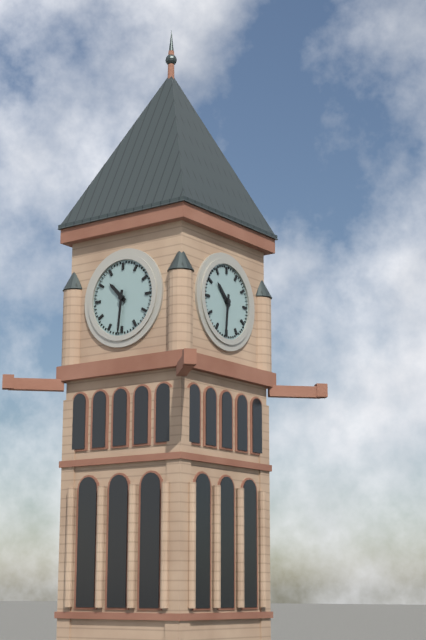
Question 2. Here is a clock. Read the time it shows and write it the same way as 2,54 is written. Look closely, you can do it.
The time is 10,31
